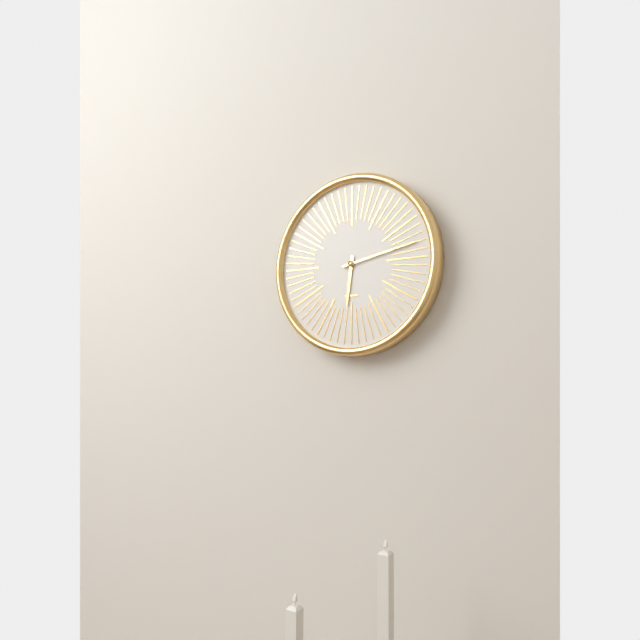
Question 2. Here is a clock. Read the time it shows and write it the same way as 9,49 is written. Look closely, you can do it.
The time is 6,13
